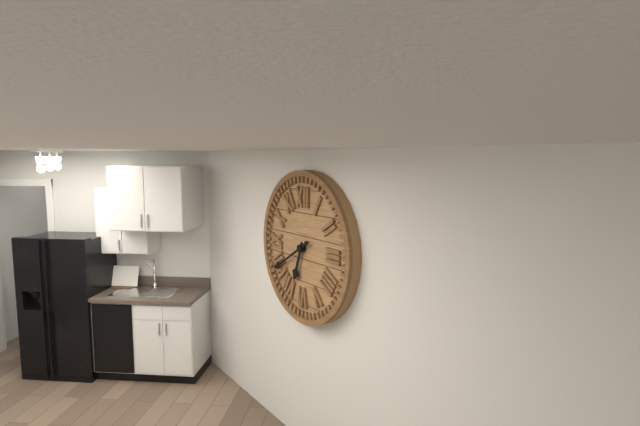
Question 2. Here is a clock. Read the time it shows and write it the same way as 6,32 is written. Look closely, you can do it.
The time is 6,40
